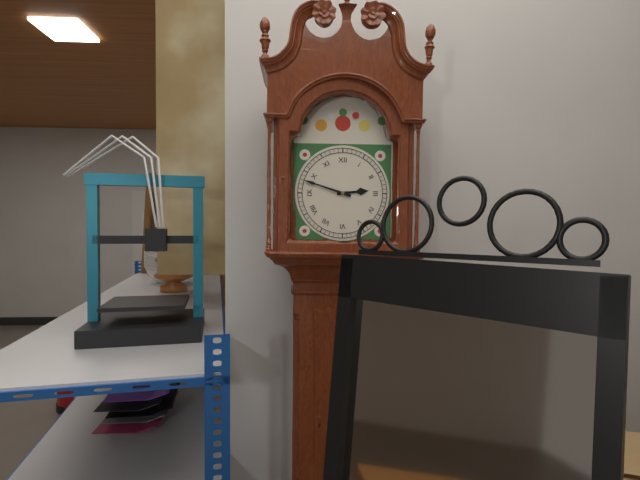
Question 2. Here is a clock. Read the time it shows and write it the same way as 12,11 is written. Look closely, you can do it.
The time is 2,48
